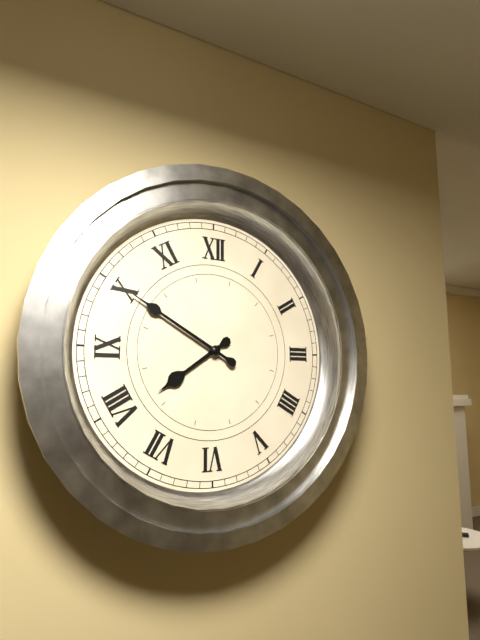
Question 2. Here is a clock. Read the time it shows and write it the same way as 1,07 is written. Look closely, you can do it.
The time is 7,50
